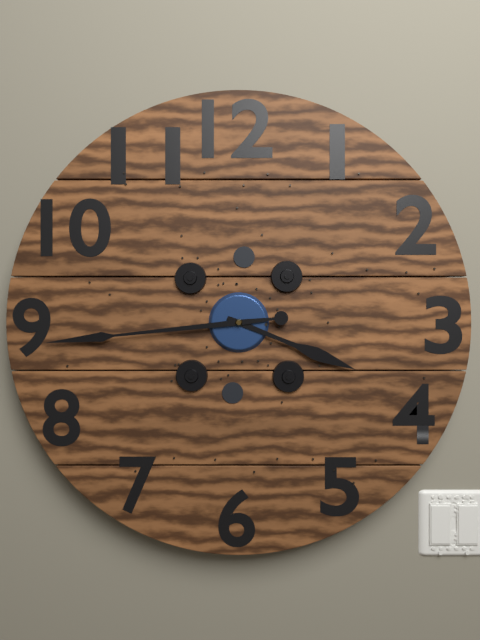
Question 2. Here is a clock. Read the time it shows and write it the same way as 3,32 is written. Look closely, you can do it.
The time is 3,44
